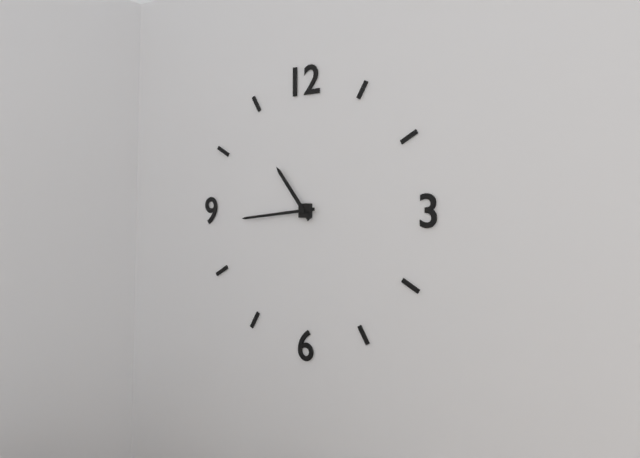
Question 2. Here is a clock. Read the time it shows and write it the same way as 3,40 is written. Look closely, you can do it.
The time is 10,44
